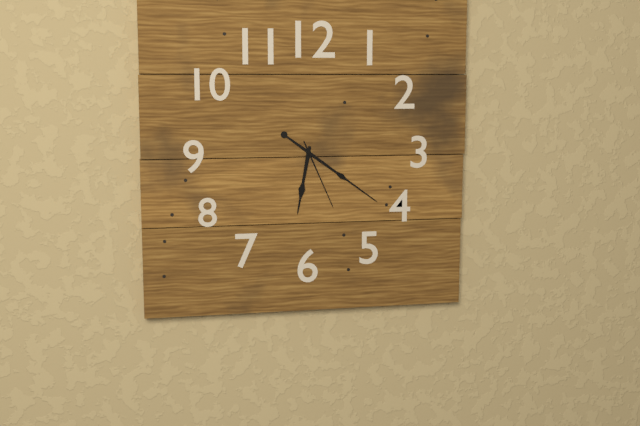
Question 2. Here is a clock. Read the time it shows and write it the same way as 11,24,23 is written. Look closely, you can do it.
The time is 6,21,26
